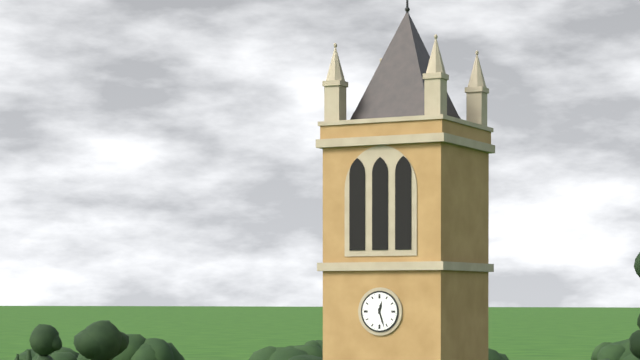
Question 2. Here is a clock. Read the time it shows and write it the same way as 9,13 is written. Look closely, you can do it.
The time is 12,27
